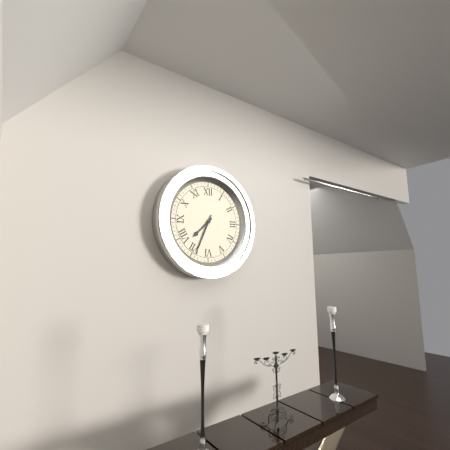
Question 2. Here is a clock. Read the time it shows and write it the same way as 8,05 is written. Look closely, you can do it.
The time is 7,34
